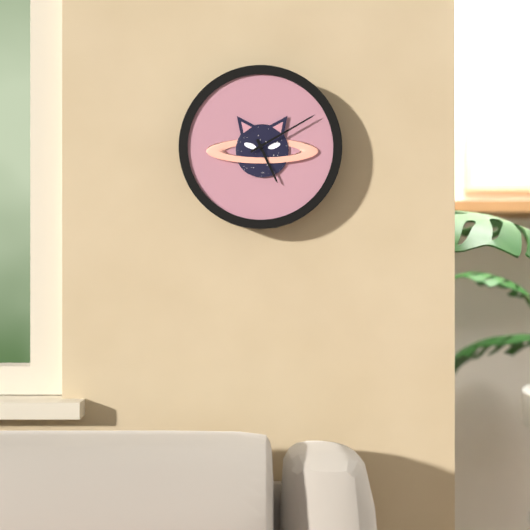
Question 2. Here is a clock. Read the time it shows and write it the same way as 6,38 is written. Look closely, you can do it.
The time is 5,10
